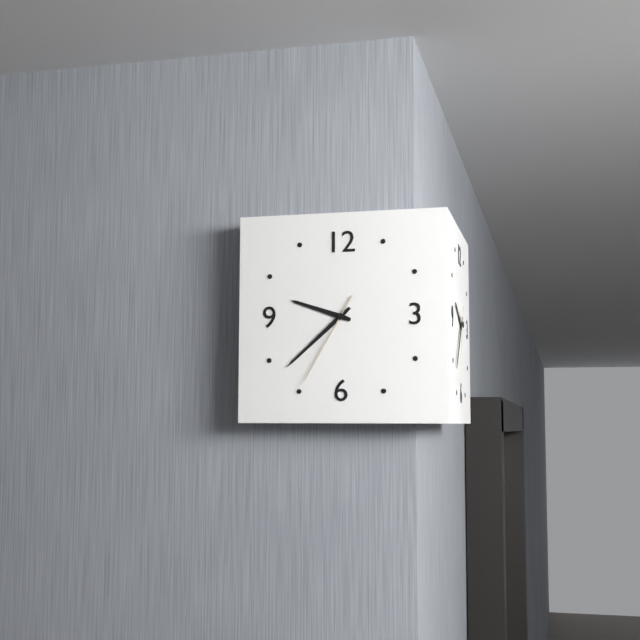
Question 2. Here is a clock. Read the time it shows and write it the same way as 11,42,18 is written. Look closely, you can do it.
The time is 9,38,35
